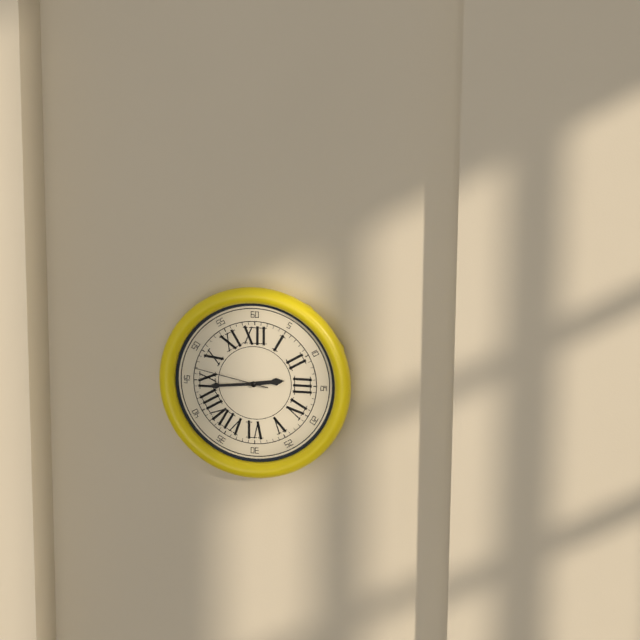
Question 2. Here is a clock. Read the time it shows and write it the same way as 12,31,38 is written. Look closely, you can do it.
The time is 2,44,47
